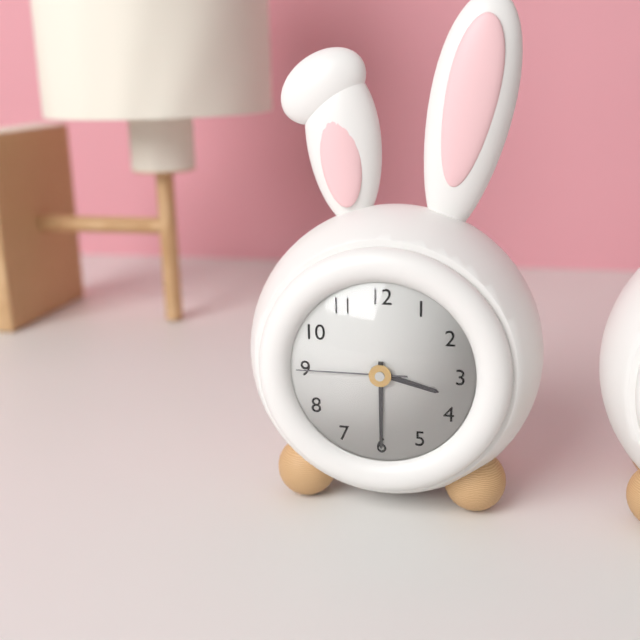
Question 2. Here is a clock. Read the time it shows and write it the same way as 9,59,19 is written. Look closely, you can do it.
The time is 3,30,45
